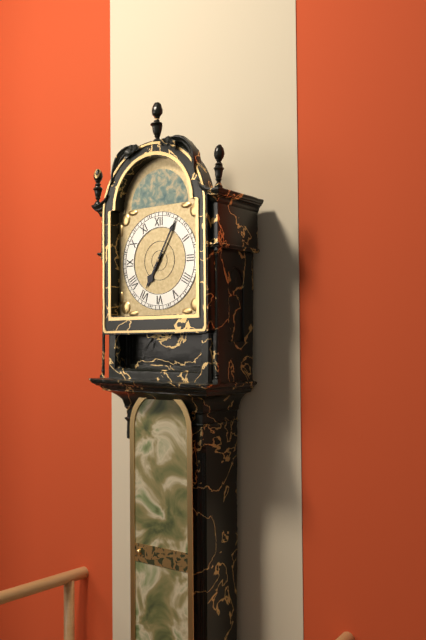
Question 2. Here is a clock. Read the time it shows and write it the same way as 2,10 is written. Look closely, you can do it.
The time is 7,05
